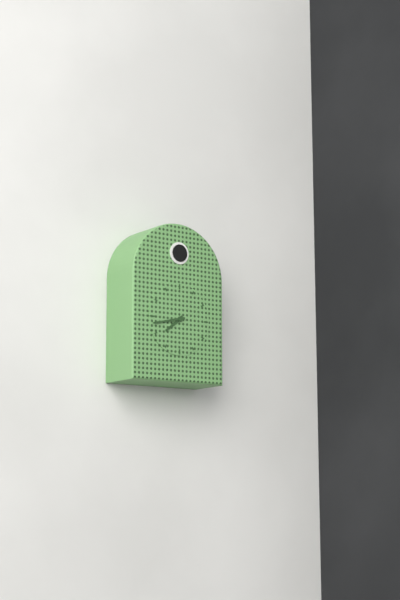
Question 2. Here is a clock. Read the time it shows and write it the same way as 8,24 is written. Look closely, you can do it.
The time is 7,43
